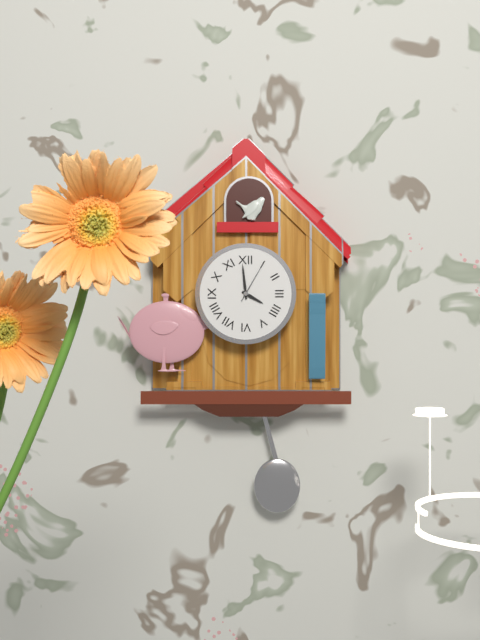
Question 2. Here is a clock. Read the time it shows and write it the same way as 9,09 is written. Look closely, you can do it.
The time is 3,59
